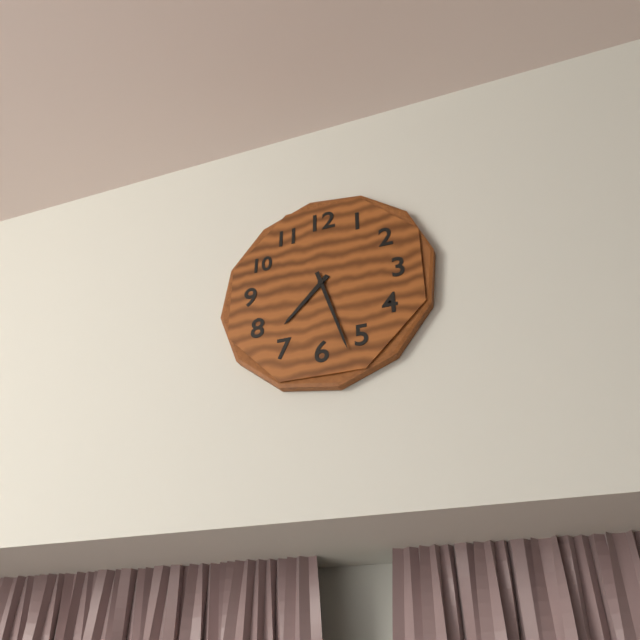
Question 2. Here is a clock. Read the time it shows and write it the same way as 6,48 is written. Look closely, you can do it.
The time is 7,27
